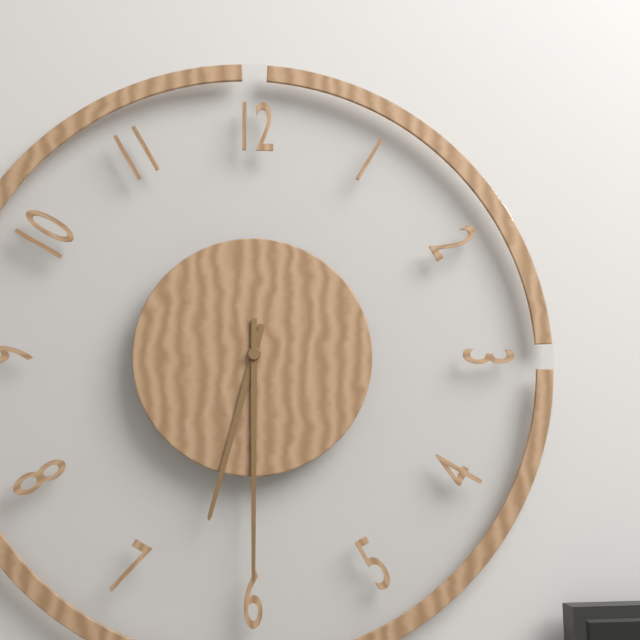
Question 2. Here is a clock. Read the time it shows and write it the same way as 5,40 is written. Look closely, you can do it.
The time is 6,30
